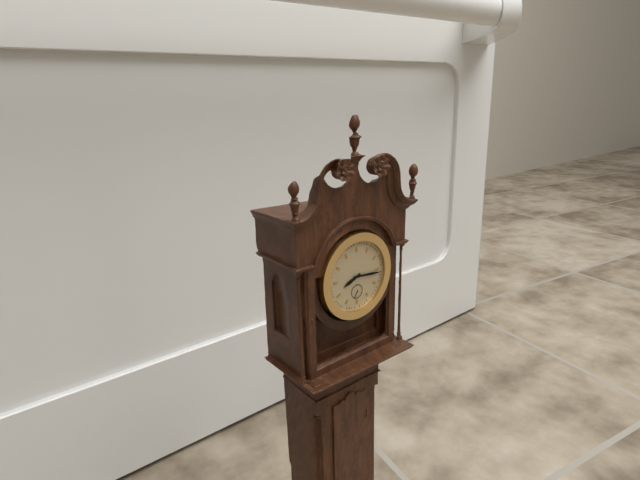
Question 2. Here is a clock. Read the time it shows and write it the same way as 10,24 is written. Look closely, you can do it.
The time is 8,16
